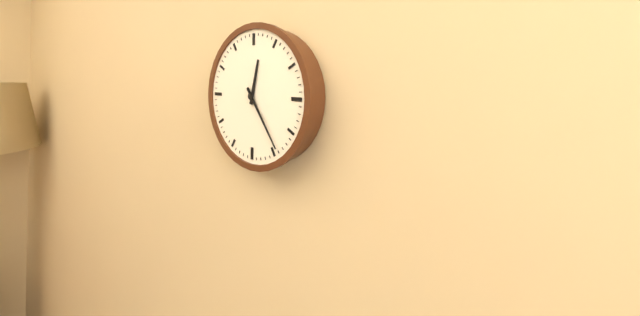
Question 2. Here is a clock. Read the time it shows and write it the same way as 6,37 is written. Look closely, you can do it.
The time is 12,24
